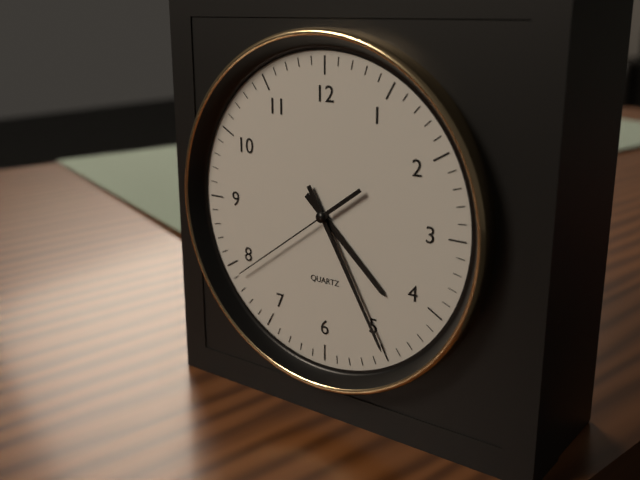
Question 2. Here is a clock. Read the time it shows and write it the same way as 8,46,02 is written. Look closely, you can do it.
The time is 4,25,39
